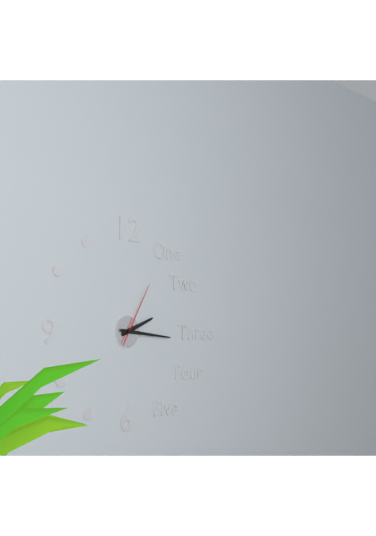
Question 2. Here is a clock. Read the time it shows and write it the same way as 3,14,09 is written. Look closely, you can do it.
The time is 2,16,05
